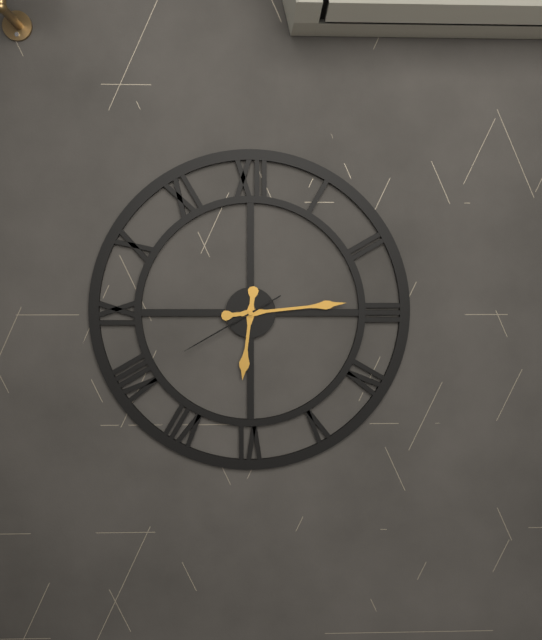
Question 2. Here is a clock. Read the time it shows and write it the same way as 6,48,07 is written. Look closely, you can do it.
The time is 6,14,40
